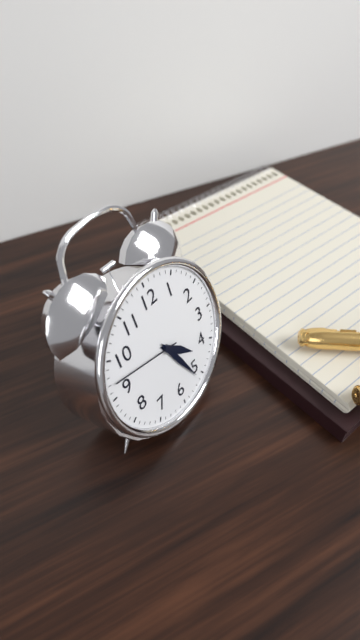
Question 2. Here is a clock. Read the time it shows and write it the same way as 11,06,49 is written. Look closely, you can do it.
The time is 4,26,47
